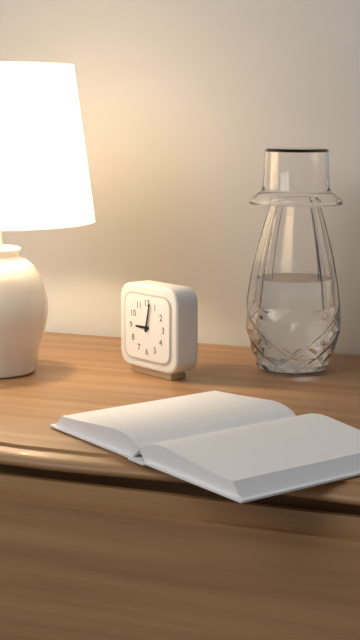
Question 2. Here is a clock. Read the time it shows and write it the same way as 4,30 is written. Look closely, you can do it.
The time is 9,02
